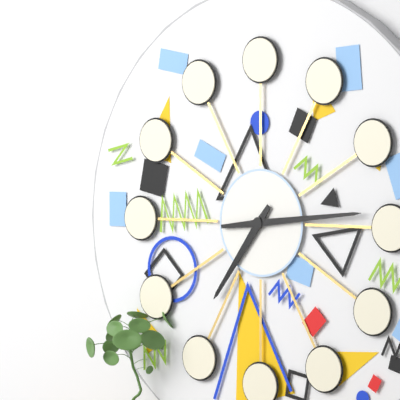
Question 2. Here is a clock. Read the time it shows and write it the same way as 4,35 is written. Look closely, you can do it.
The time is 7,14
